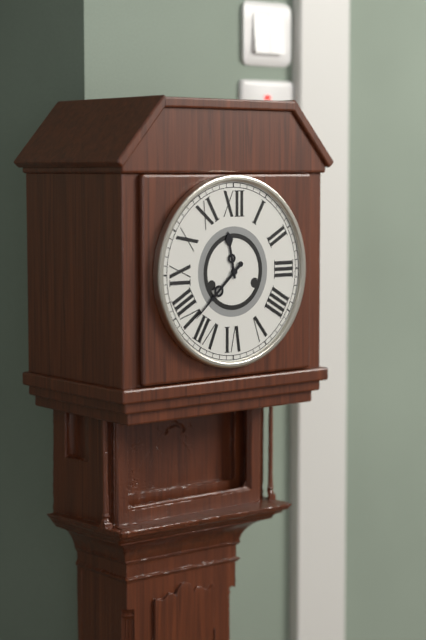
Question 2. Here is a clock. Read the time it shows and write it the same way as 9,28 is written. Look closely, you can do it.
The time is 11,38
